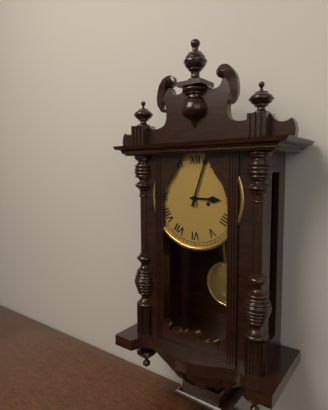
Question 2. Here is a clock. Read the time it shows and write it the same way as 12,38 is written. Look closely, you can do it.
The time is 3,03
